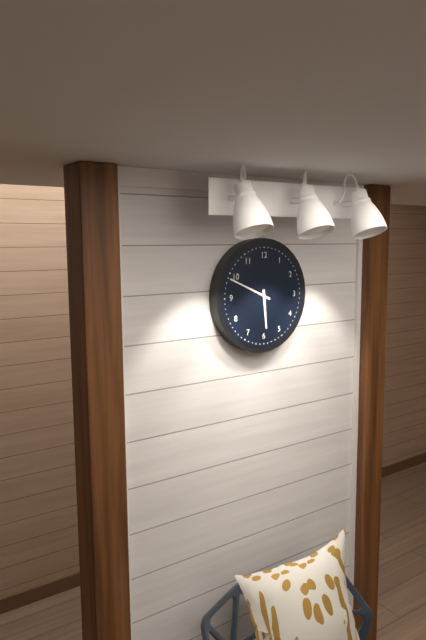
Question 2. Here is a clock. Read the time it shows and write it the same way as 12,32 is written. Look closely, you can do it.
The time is 5,49
